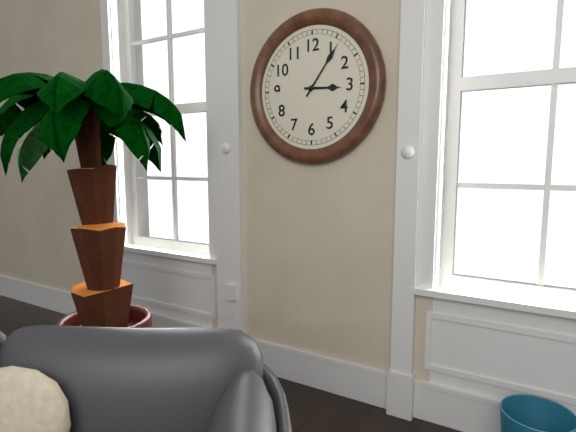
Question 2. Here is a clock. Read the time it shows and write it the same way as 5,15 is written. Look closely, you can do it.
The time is 3,06
